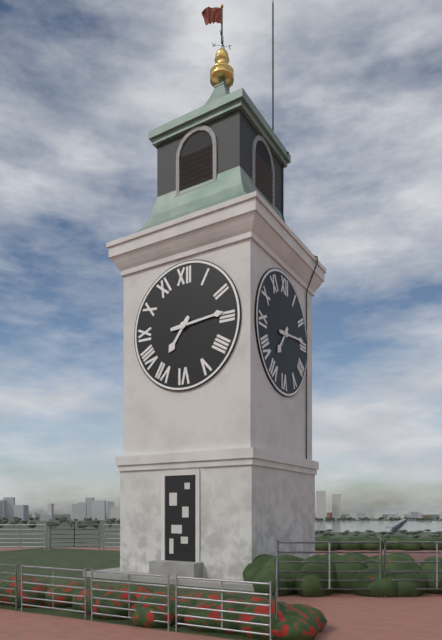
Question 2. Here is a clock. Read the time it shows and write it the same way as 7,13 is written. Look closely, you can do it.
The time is 7,14
